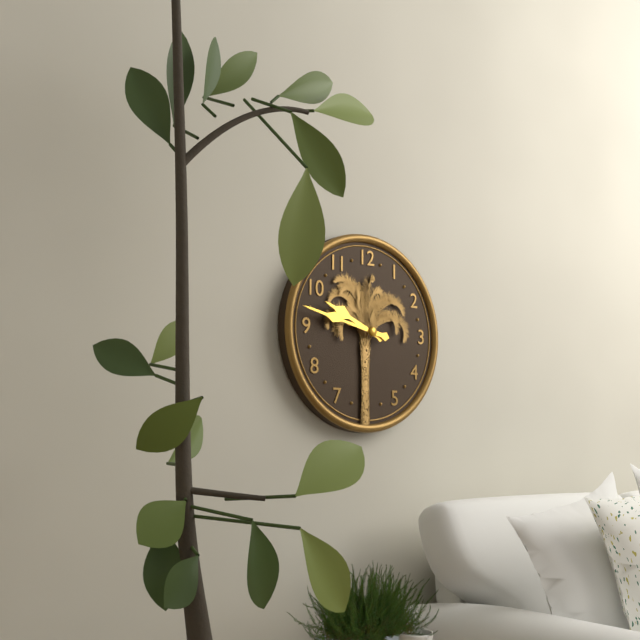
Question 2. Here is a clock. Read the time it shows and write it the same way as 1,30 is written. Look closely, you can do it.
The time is 9,47
